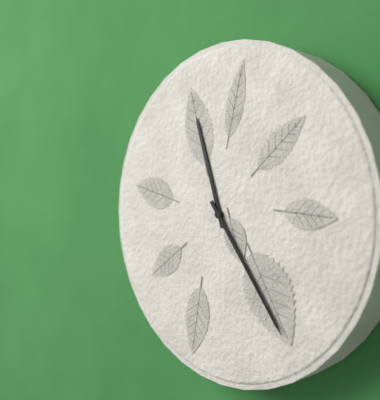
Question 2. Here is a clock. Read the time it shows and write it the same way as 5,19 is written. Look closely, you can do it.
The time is 11,24
